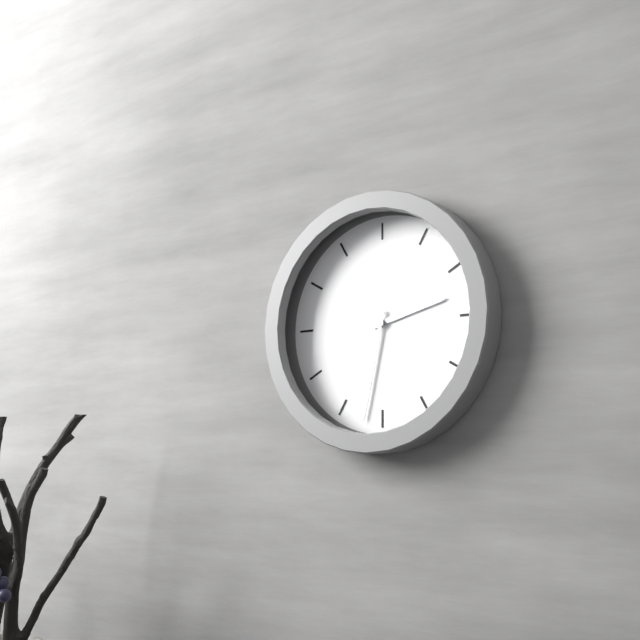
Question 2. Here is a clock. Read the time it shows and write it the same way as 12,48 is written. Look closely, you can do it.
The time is 2,32
